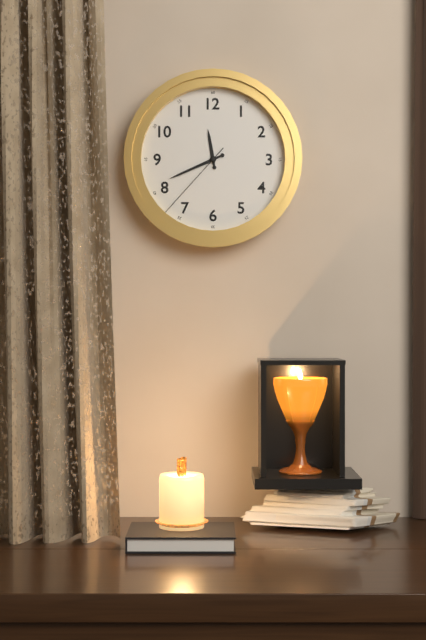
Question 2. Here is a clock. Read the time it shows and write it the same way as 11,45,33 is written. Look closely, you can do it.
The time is 11,41,37
